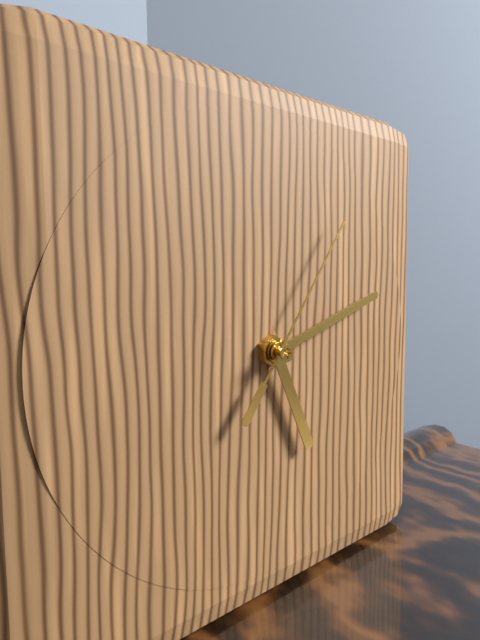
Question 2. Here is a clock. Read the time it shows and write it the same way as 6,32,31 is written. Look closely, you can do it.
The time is 5,12,06
